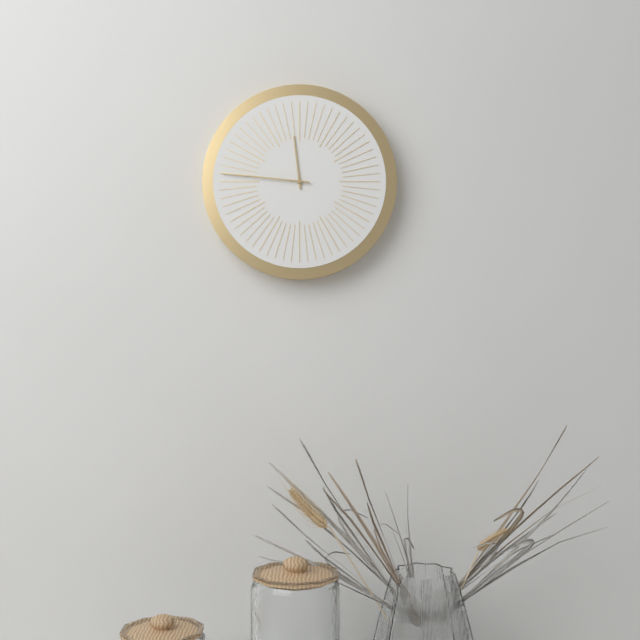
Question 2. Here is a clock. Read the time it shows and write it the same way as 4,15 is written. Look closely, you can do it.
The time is 11,46
